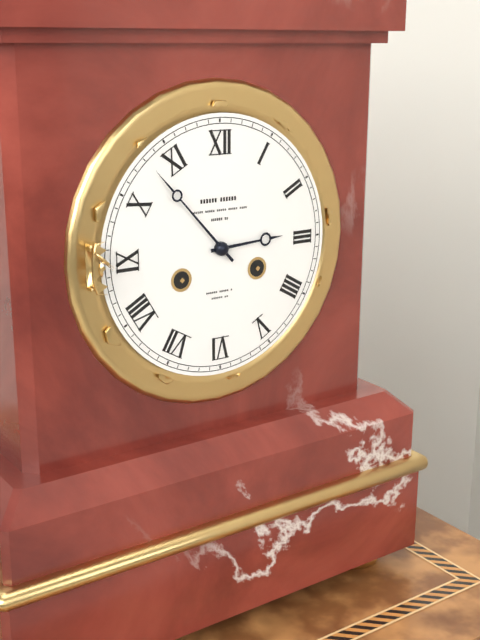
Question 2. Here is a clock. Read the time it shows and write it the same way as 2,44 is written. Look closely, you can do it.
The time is 2,53
